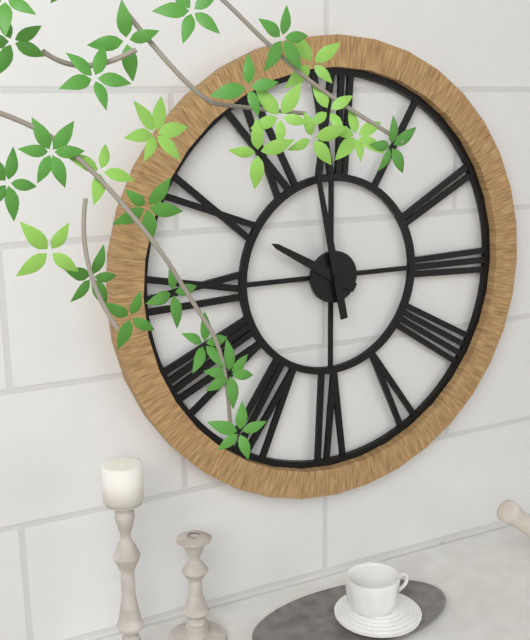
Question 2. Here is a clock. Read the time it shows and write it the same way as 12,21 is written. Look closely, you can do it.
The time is 9,58
